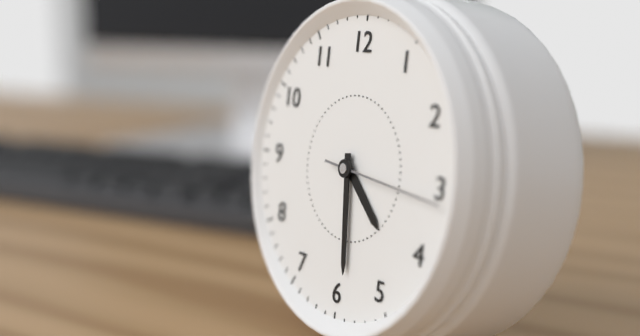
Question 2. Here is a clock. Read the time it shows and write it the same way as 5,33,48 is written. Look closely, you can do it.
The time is 4,29,16
